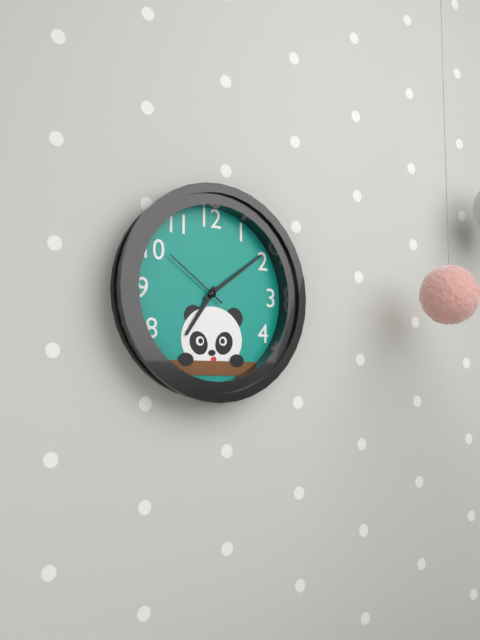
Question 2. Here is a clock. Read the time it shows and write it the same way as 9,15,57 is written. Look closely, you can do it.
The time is 7,09,51
